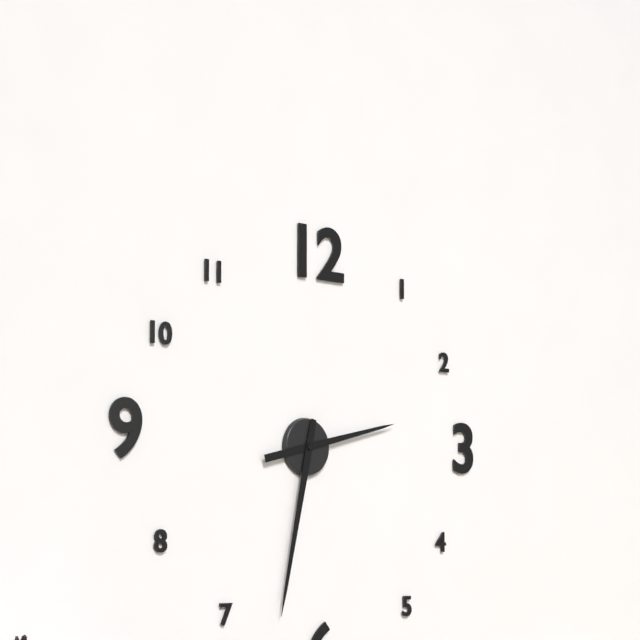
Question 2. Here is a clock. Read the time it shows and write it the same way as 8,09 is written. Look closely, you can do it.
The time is 2,32
